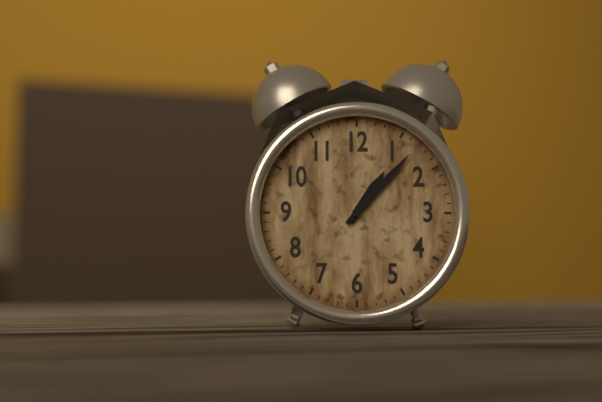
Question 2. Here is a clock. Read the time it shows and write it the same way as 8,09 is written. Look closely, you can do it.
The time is 1,07
